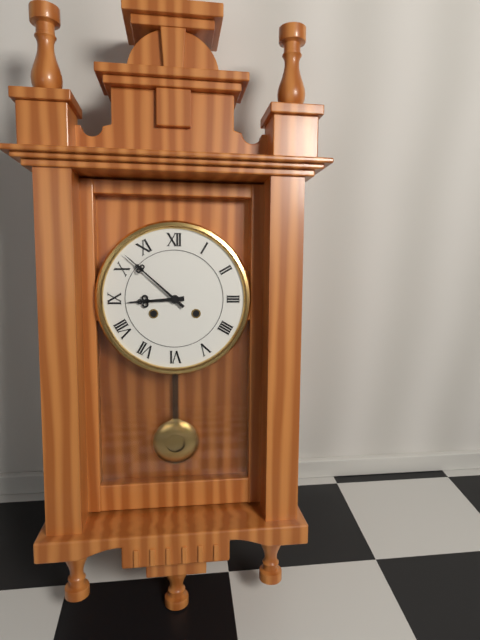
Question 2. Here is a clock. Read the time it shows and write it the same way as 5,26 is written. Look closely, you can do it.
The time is 8,52
